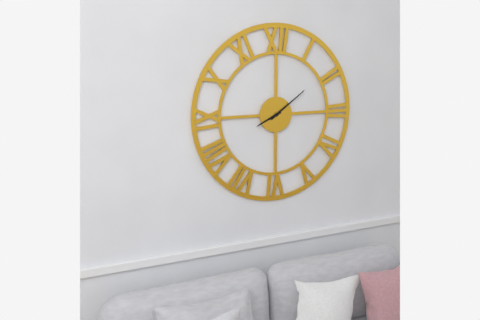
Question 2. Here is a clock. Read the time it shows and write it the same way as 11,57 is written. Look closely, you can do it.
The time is 8,09
